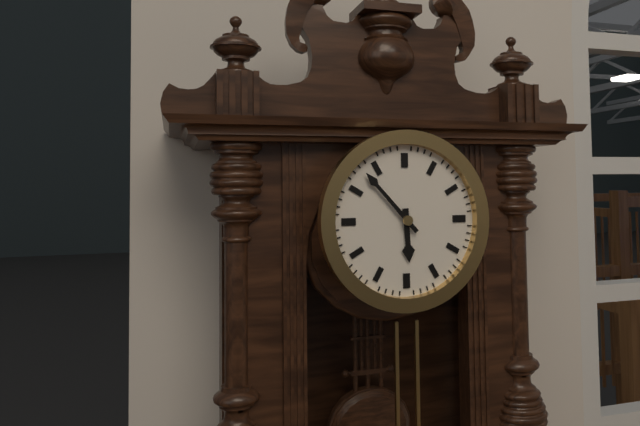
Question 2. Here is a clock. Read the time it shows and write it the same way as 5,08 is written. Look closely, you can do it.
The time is 5,53
